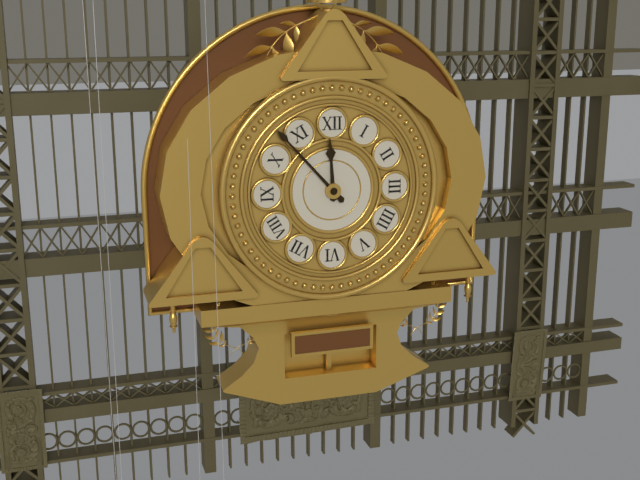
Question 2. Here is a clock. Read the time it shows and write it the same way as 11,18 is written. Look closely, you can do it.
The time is 11,53
